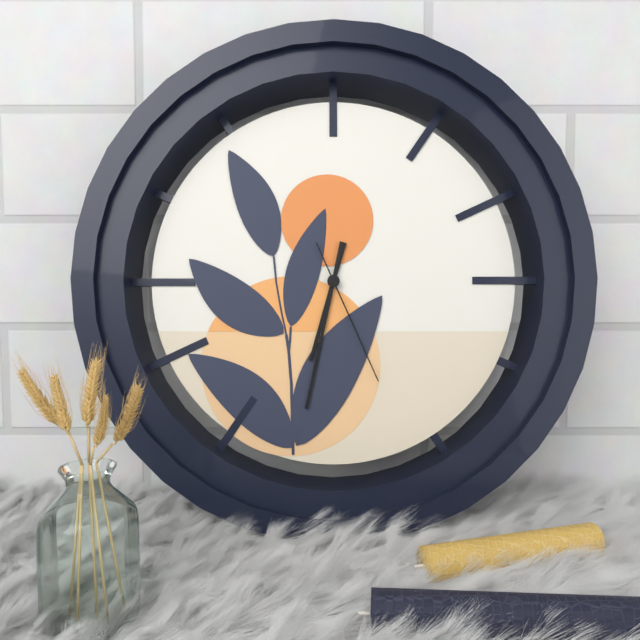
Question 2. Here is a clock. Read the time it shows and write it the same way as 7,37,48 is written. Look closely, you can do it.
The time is 6,32,26
